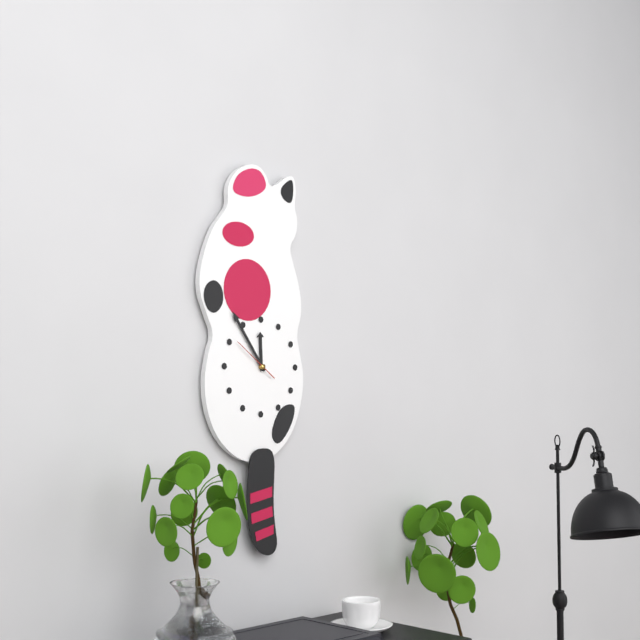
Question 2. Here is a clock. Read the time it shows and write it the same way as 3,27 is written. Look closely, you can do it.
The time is 11,54
